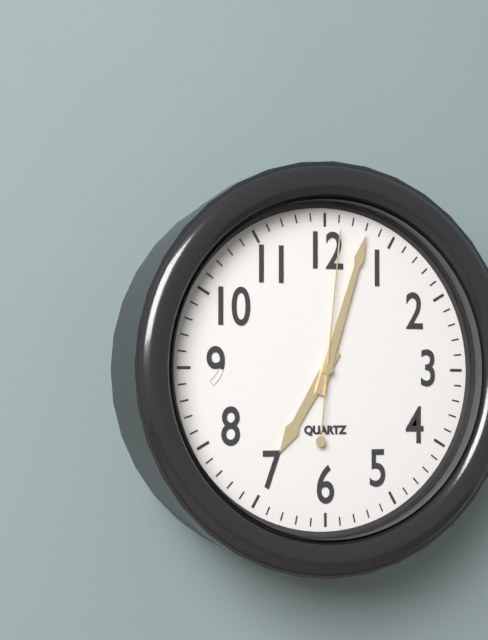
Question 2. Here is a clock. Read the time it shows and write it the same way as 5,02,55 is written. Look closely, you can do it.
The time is 7,03,01
